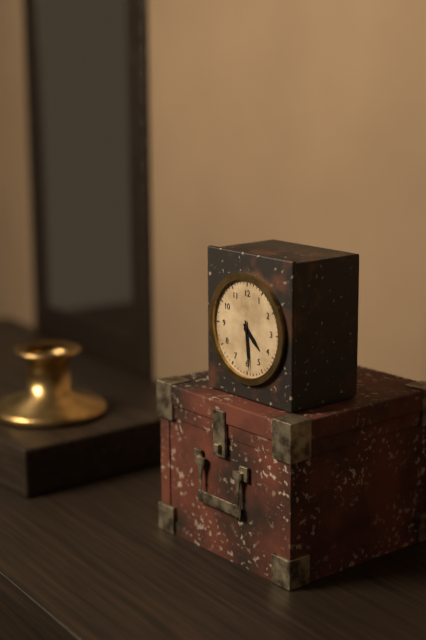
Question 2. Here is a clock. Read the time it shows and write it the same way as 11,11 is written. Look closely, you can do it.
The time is 4,29
